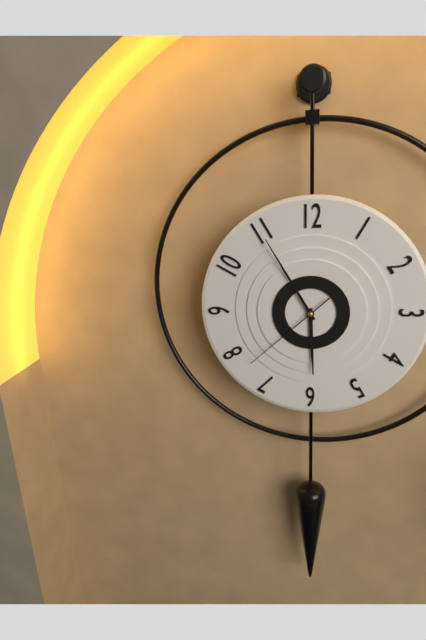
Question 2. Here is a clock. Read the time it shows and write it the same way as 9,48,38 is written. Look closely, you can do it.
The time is 5,55,38
